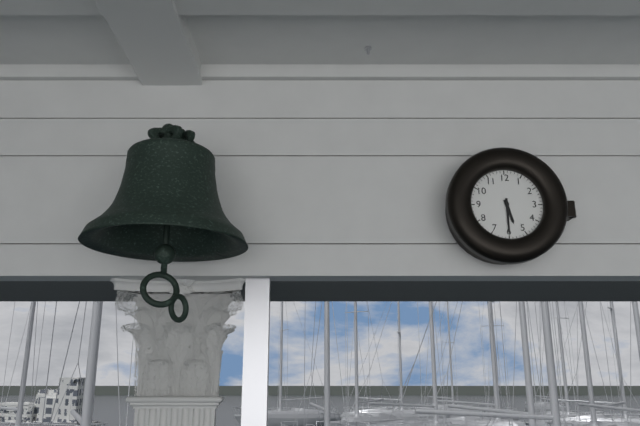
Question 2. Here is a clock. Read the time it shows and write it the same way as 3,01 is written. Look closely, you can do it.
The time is 5,30
